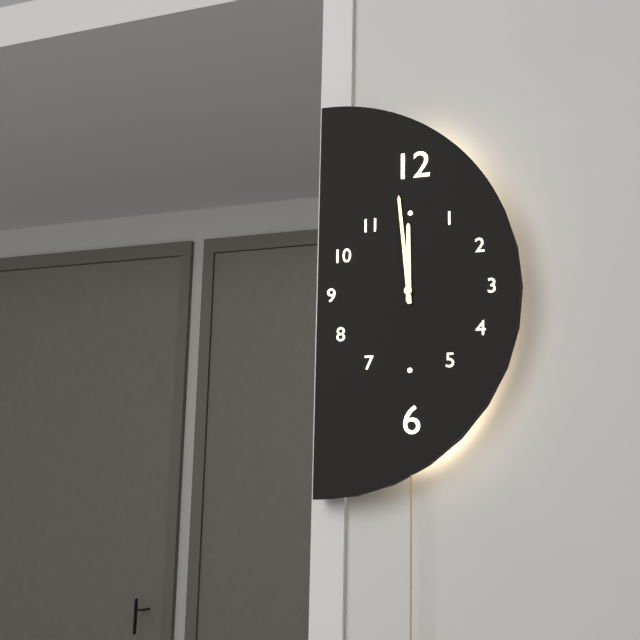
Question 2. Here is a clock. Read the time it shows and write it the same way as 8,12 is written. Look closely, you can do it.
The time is 11,59
